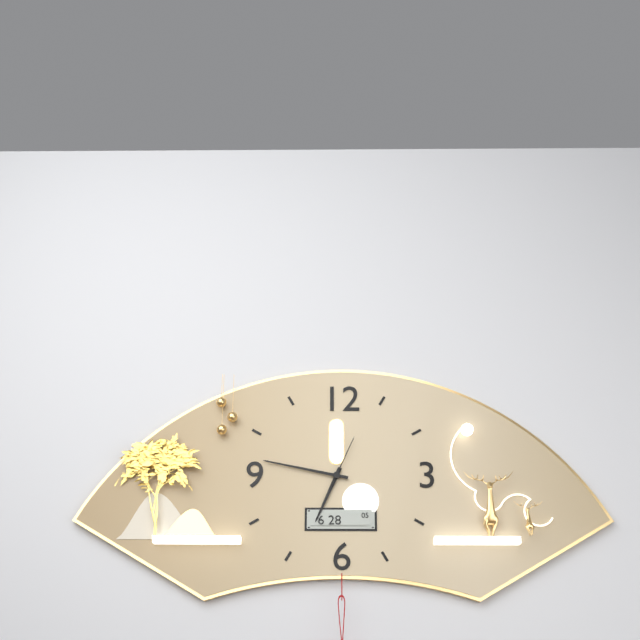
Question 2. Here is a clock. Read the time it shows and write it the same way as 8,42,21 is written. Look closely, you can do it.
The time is 6,47,04
